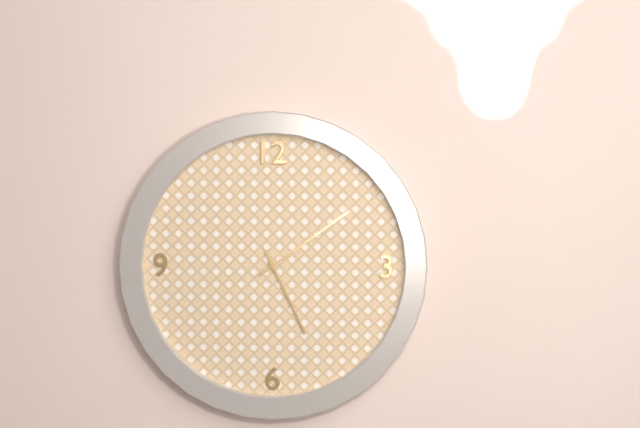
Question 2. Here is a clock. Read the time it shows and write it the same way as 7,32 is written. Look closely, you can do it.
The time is 5,09
